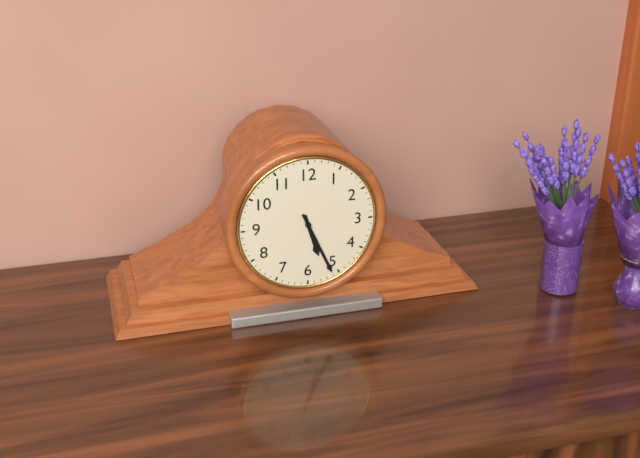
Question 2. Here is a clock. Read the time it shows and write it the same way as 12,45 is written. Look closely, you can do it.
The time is 5,26
